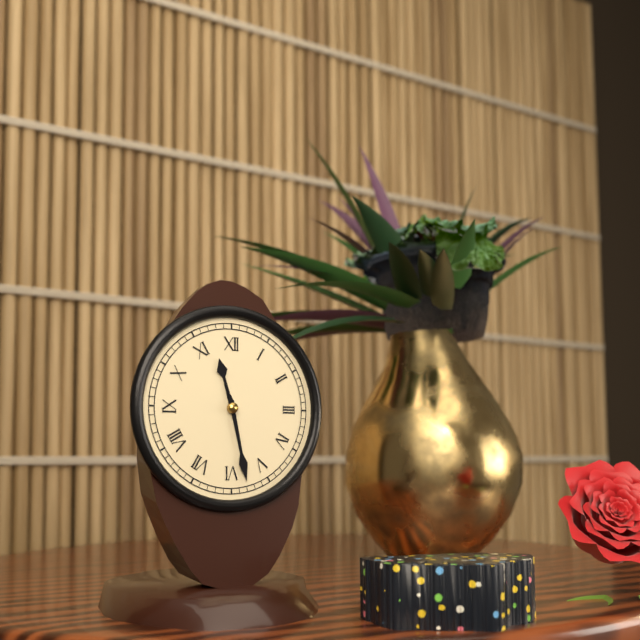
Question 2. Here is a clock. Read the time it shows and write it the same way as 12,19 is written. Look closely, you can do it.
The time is 11,28
